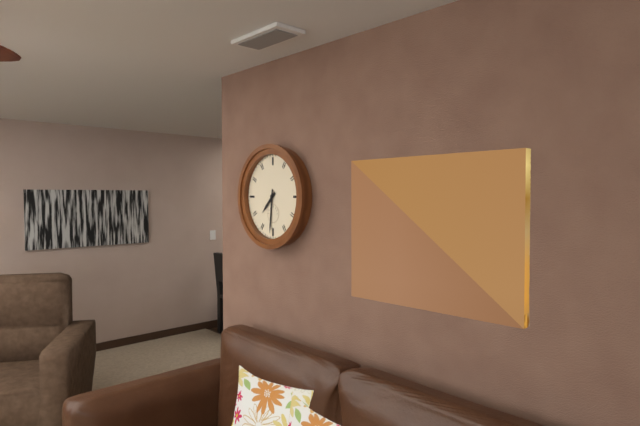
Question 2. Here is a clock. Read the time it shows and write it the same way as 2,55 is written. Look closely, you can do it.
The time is 7,31
